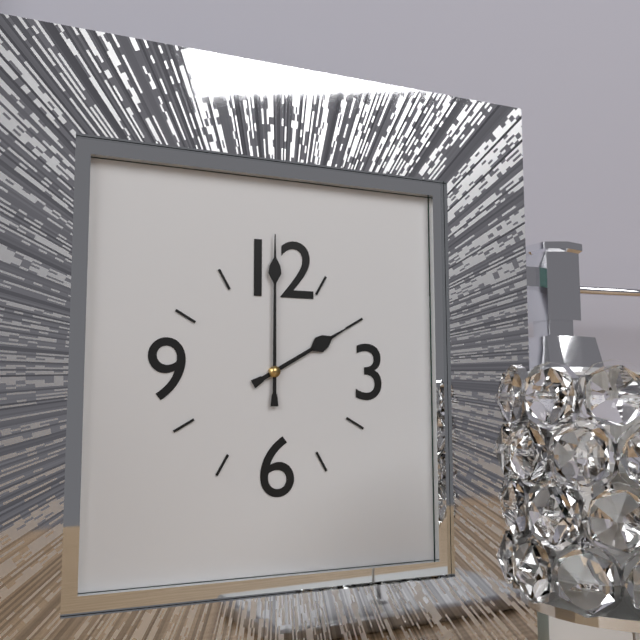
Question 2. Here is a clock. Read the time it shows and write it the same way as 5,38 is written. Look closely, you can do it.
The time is 2,00
